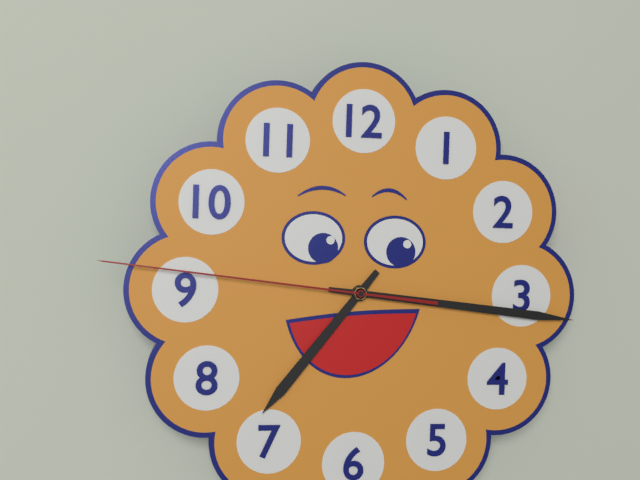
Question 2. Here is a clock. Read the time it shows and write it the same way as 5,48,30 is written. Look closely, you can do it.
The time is 7,16,46
